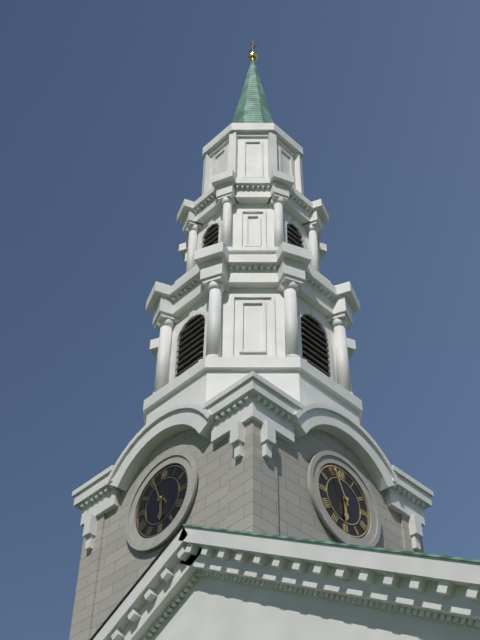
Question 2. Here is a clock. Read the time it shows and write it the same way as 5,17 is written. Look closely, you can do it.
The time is 5,56
